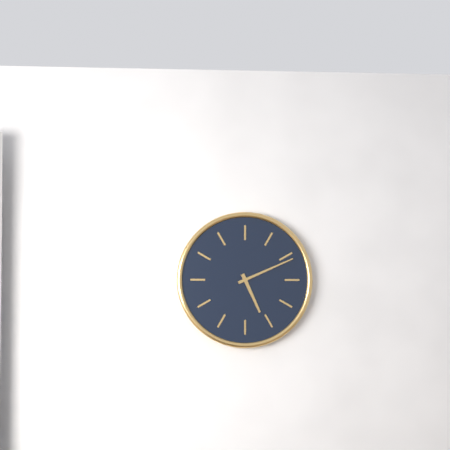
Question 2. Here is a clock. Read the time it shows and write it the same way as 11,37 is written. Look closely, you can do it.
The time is 5,11
